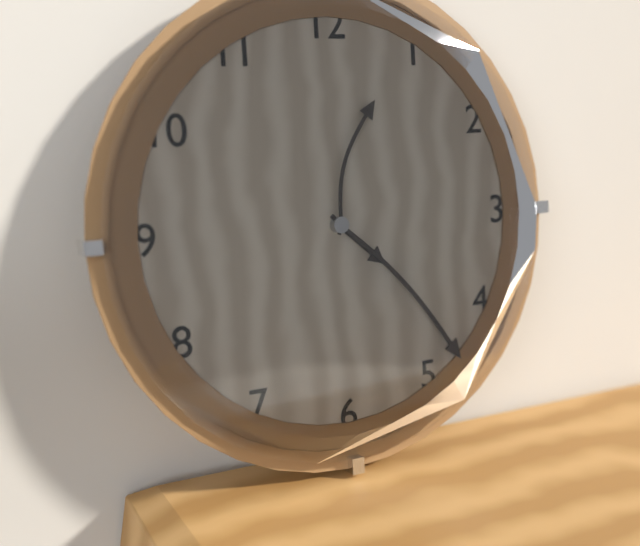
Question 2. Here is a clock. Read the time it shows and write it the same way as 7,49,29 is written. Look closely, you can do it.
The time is 4,23,03
